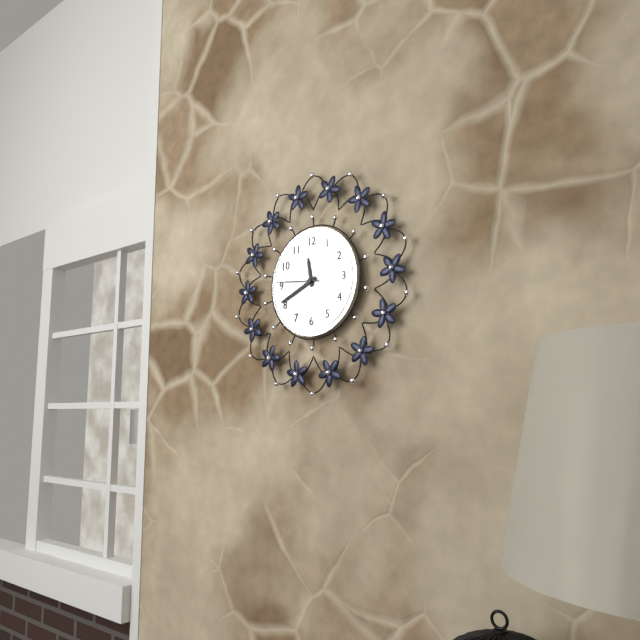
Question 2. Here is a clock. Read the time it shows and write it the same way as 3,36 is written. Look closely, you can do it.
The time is 11,41
